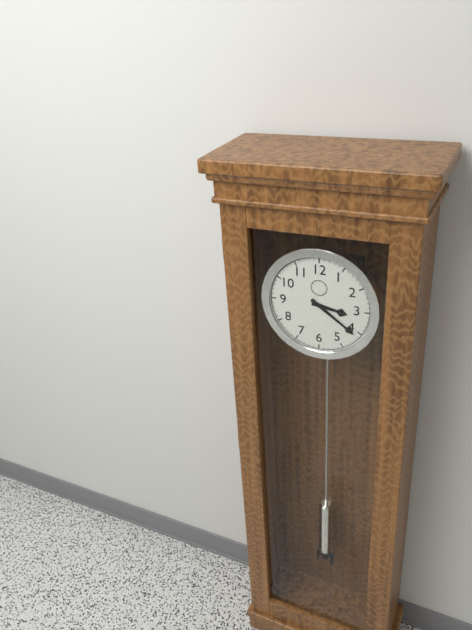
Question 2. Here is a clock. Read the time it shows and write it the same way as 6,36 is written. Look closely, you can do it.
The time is 3,21
